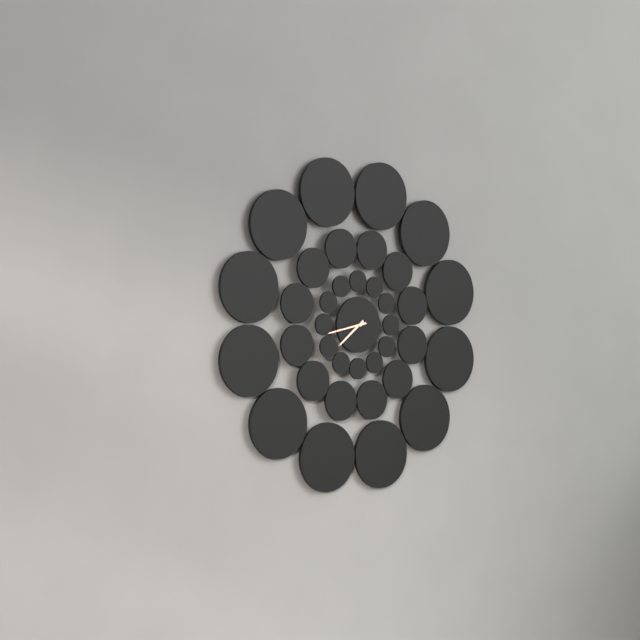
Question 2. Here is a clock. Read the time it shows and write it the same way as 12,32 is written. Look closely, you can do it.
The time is 7,43
